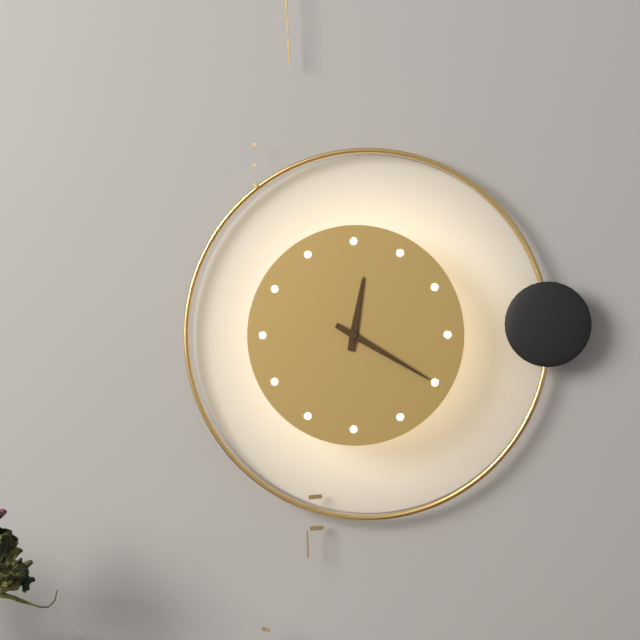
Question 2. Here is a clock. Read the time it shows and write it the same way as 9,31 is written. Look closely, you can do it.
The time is 12,20
